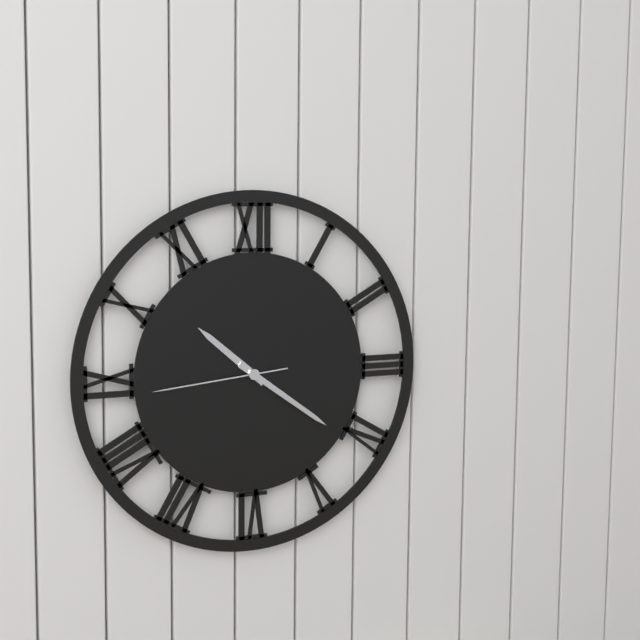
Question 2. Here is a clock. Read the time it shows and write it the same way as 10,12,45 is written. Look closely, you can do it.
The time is 10,21,44
